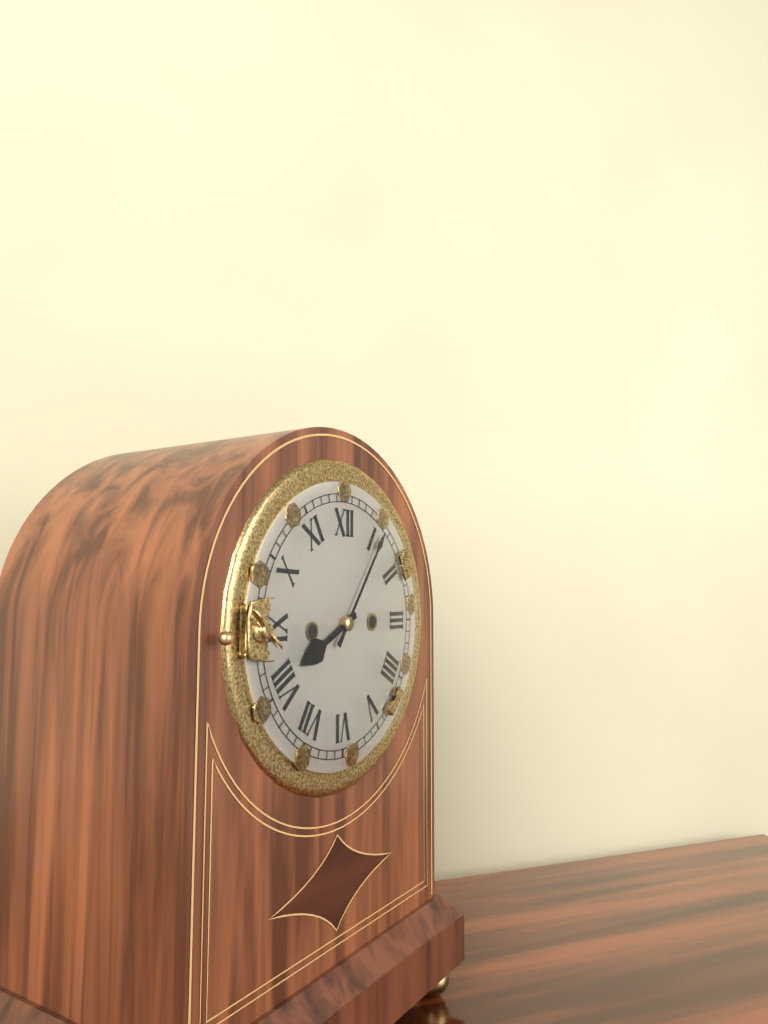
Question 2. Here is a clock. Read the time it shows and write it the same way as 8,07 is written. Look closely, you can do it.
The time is 8,06
